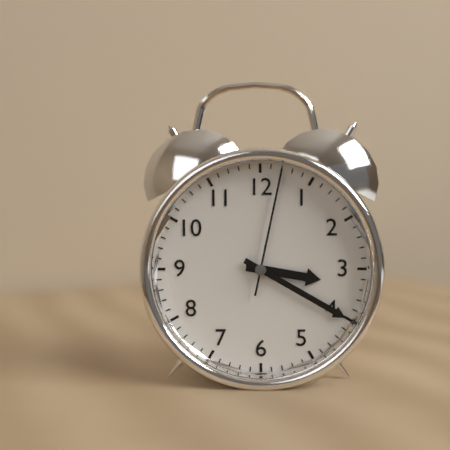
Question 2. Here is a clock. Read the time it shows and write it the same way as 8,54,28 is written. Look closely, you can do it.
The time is 3,20,02
